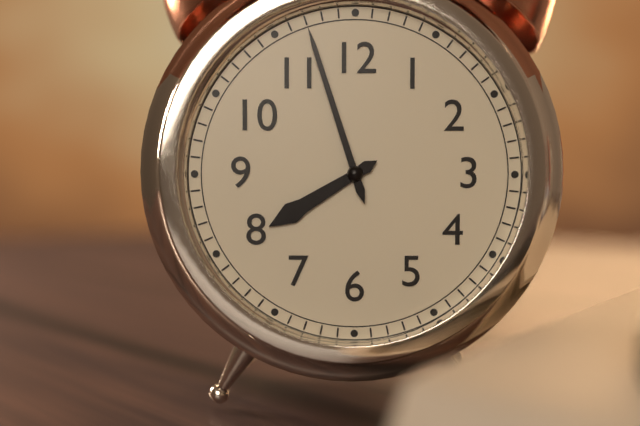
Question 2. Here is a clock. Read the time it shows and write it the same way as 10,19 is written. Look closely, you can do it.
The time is 7,57
